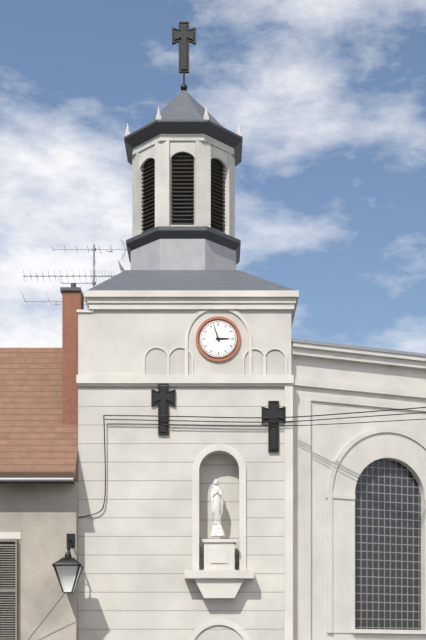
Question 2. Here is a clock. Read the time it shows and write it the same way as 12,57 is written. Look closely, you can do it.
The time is 2,57
